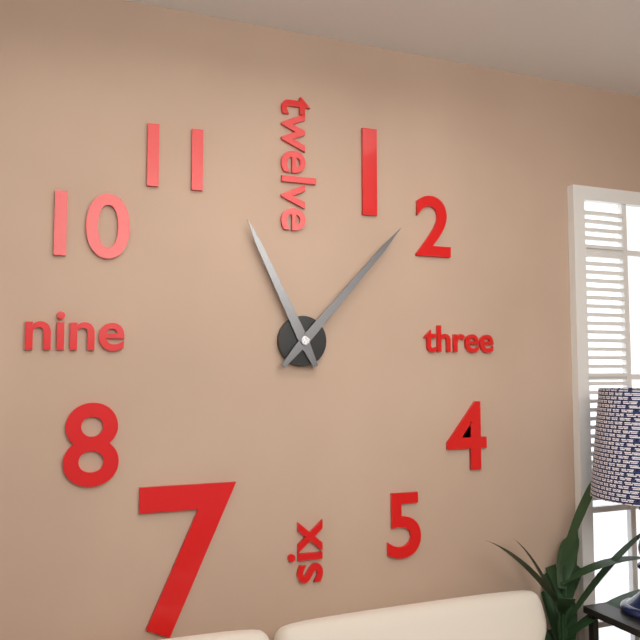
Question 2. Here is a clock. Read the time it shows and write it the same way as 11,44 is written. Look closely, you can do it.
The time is 11,07
